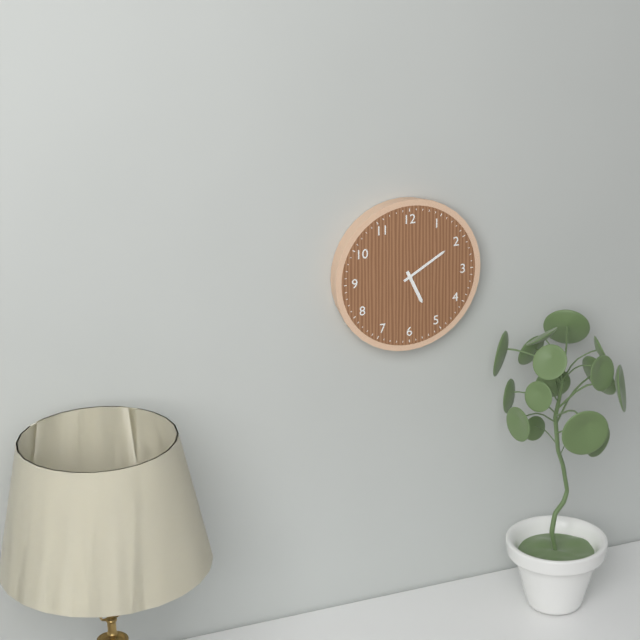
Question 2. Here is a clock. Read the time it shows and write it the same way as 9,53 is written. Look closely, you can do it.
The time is 5,10
